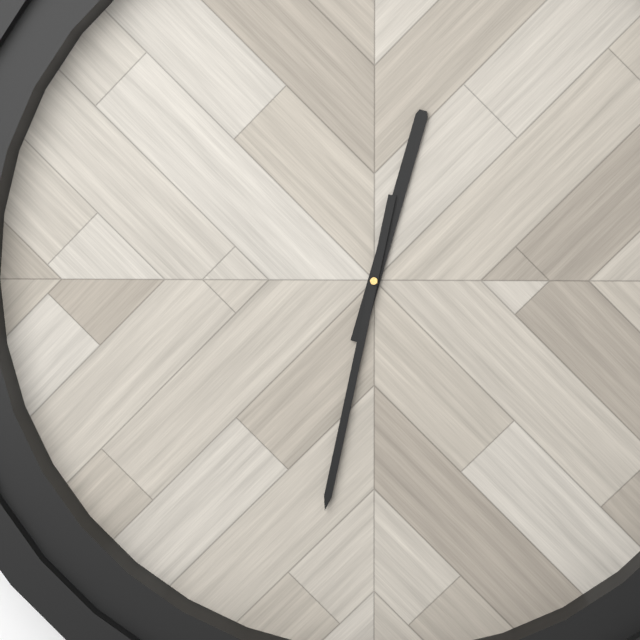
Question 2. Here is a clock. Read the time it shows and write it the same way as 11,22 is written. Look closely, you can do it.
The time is 12,32
